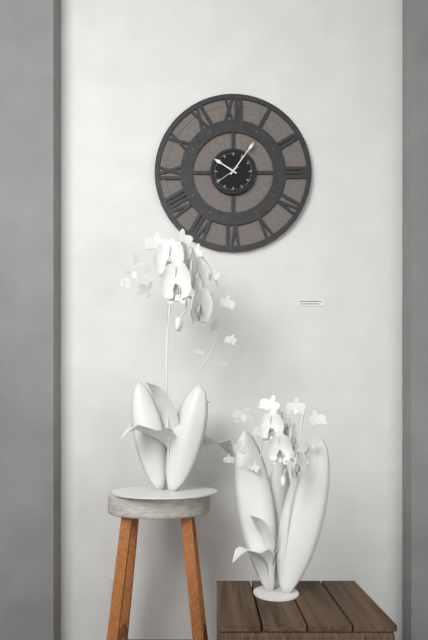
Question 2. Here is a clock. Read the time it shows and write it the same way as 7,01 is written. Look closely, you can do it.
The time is 10,06
